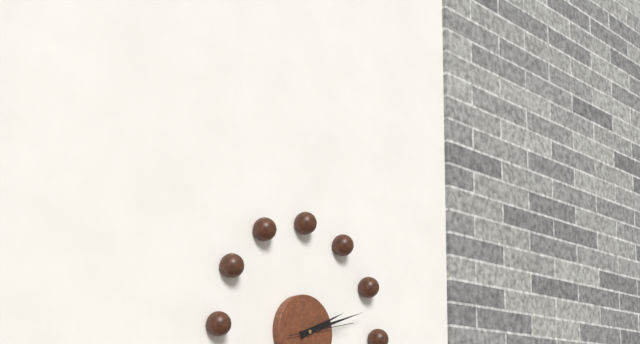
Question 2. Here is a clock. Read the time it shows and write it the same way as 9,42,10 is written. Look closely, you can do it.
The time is 2,12,13
